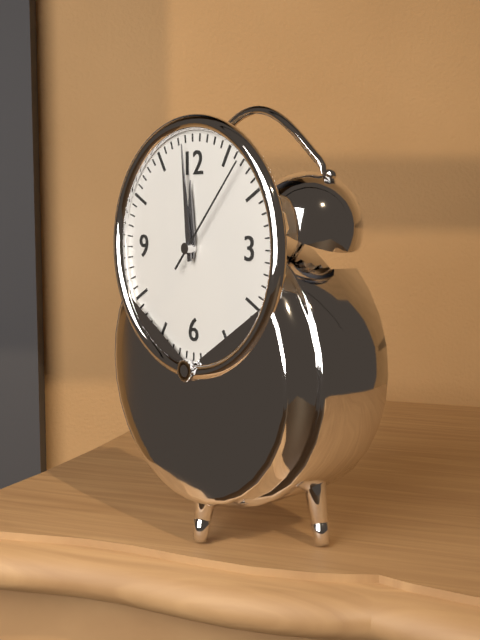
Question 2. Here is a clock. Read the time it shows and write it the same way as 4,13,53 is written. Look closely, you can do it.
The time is 11,59,07
